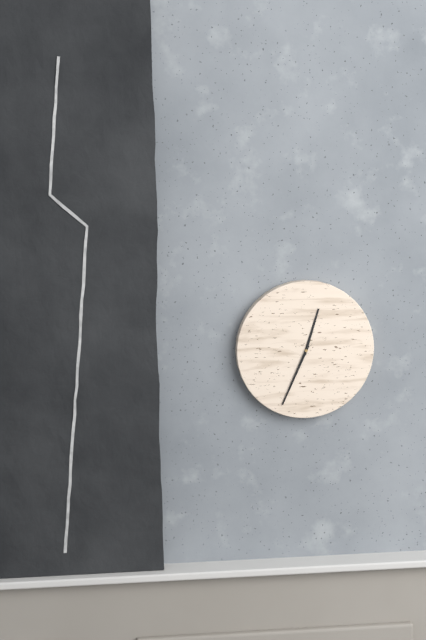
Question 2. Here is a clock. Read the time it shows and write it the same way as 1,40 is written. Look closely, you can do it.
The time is 12,34
